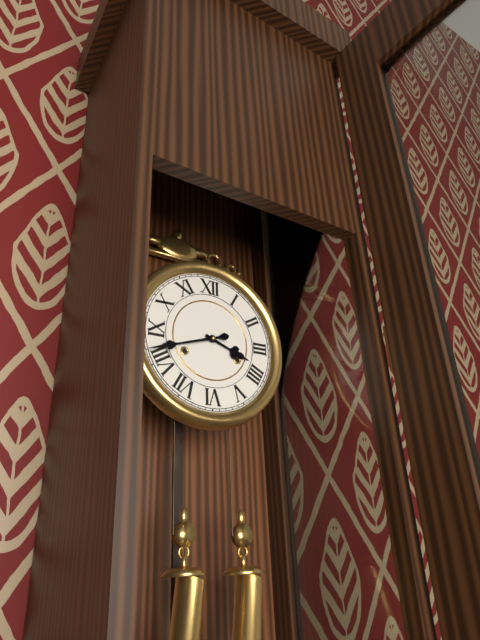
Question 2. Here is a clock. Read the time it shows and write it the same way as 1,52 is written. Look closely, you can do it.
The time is 3,42
